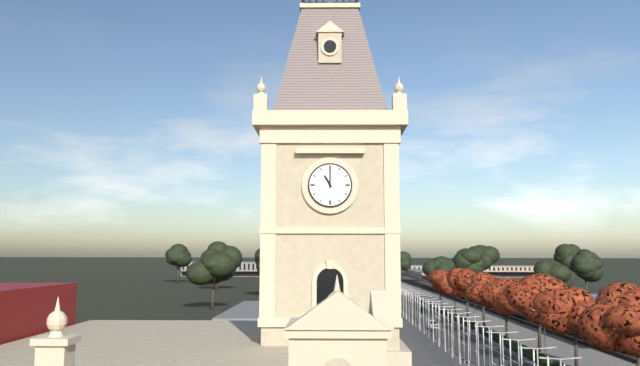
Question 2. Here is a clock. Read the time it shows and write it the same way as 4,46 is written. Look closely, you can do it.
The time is 11,00
